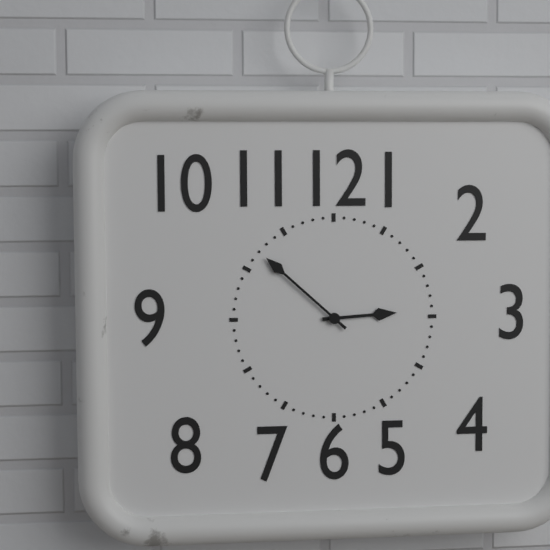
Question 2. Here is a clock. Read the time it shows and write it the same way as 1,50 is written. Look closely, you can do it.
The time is 2,52
